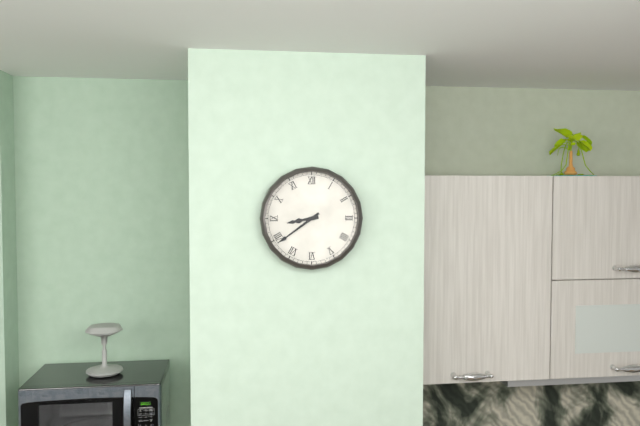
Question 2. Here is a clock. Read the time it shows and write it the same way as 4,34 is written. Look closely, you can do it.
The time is 8,39
